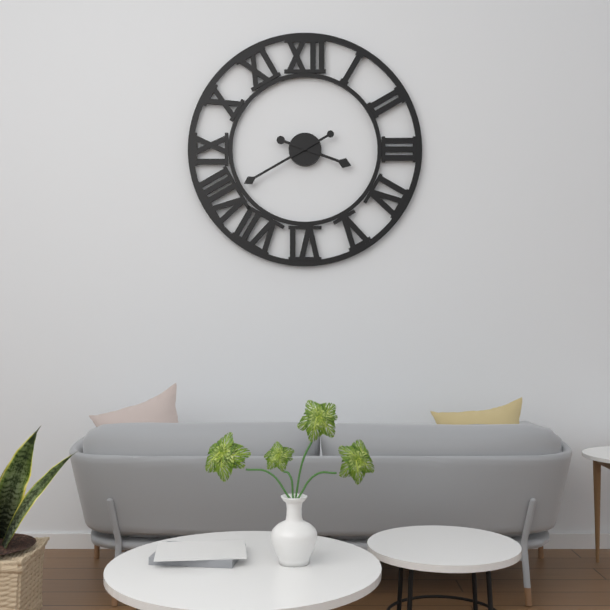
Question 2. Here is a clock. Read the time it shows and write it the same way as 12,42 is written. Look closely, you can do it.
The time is 3,40
